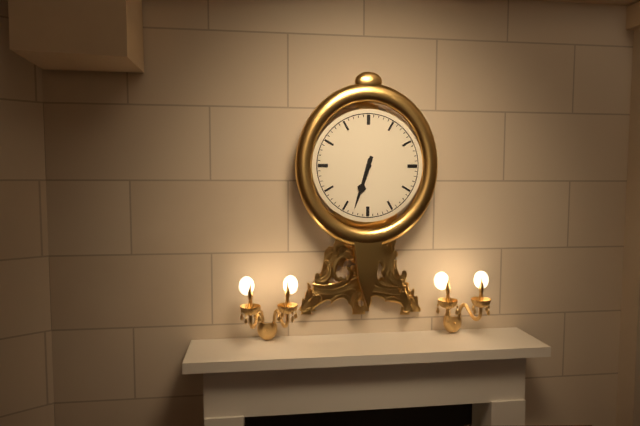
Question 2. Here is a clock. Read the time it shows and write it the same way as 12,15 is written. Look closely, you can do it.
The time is 6,33
